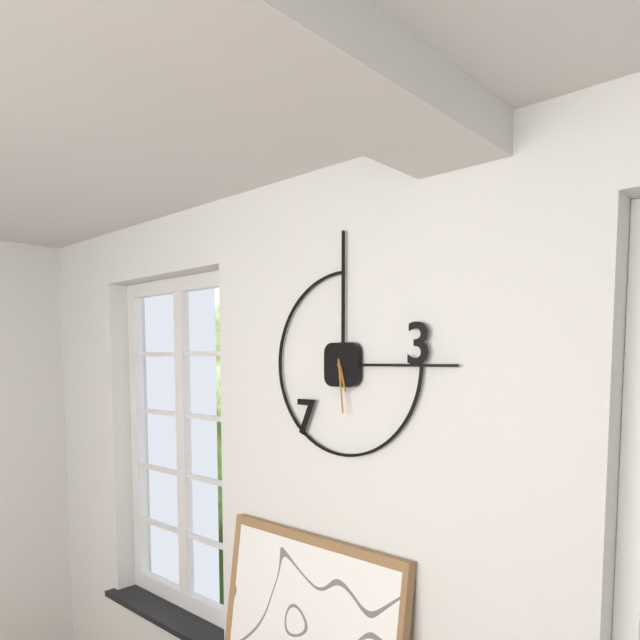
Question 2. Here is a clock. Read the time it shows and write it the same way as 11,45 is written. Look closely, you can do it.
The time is 5,29
